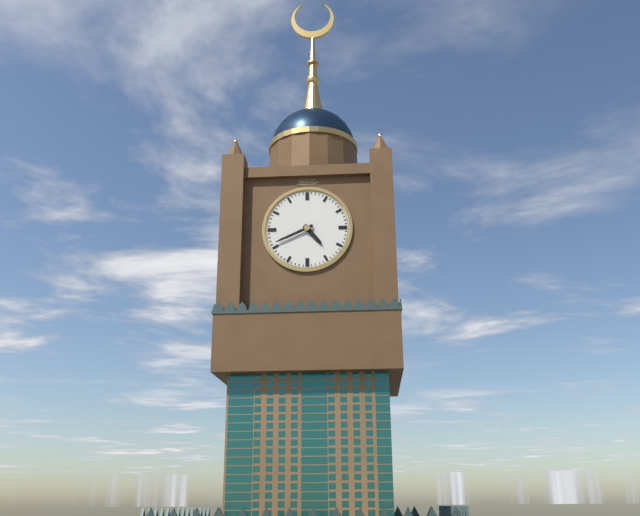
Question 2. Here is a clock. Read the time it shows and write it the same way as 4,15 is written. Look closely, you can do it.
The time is 4,41
